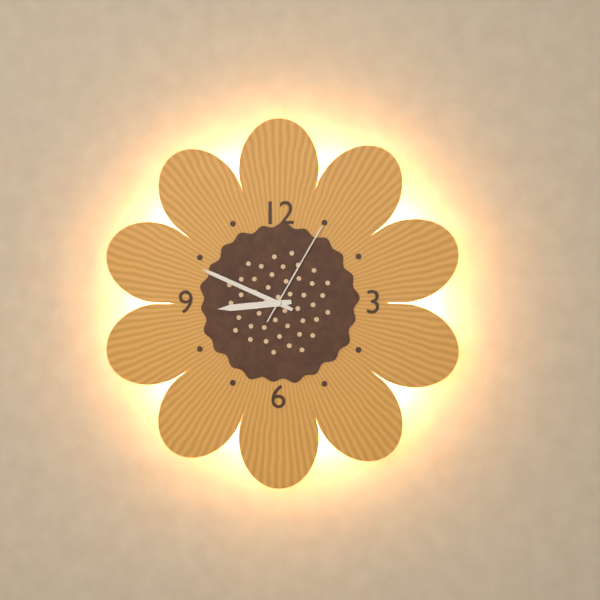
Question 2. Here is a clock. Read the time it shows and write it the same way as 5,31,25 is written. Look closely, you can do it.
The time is 8,49,05
